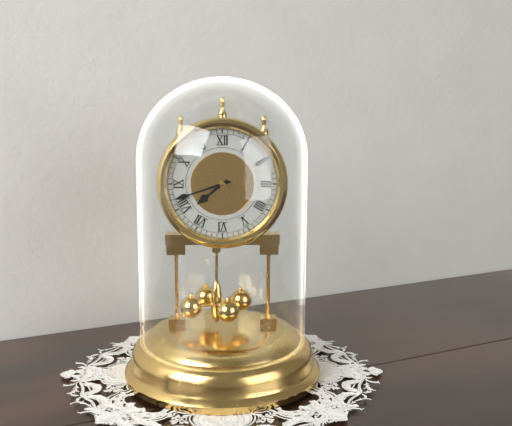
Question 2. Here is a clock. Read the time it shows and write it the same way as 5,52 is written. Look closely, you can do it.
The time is 7,42
